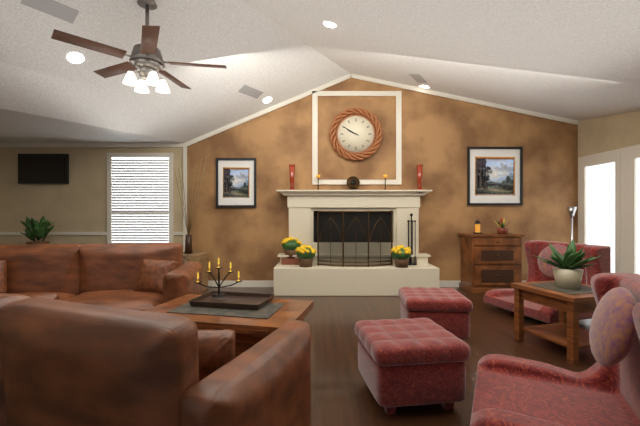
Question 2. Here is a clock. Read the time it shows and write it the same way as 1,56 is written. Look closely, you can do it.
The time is 9,50
